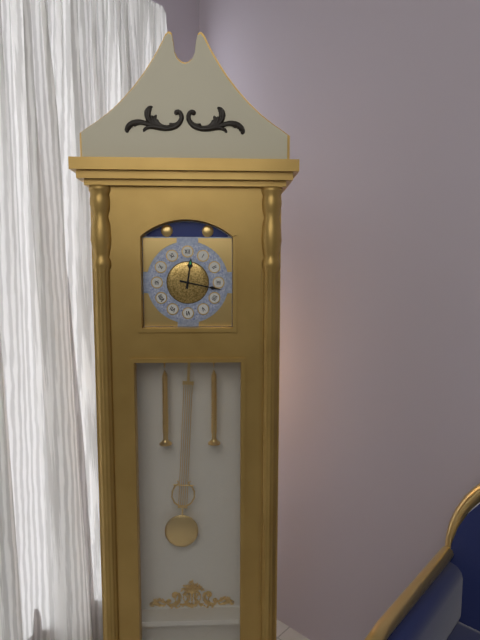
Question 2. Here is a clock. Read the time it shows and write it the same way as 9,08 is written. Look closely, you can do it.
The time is 12,17
